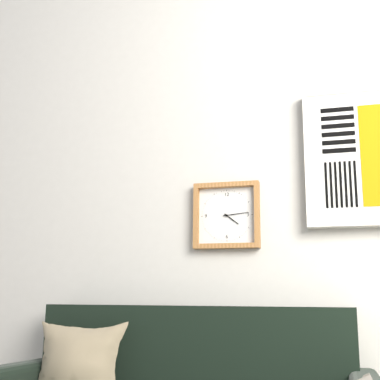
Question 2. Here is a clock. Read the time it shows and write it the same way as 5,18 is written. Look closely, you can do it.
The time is 4,14
